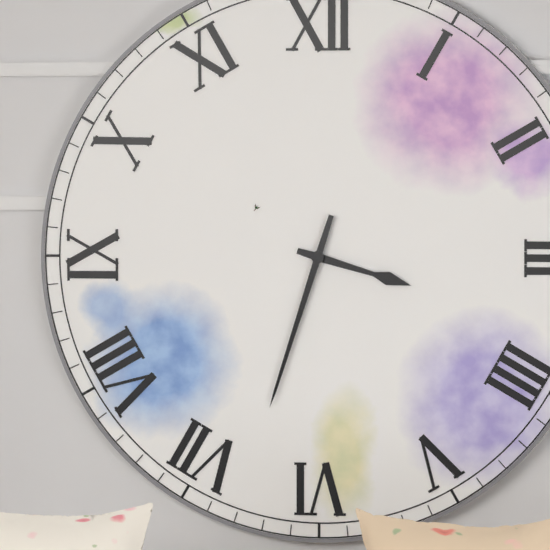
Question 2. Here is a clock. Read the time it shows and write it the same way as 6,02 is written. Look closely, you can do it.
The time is 3,33
